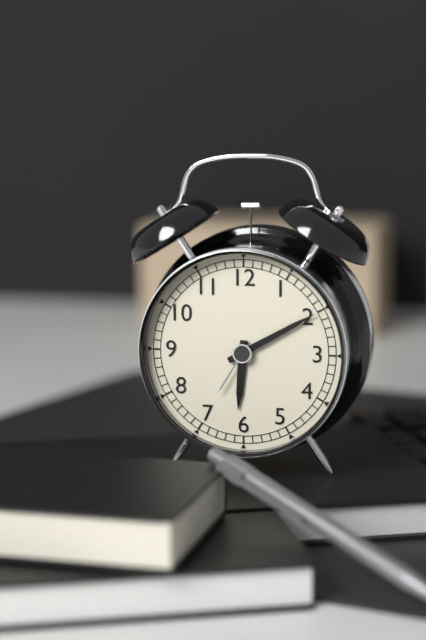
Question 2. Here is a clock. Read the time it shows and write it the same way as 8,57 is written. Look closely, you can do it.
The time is 6,10
